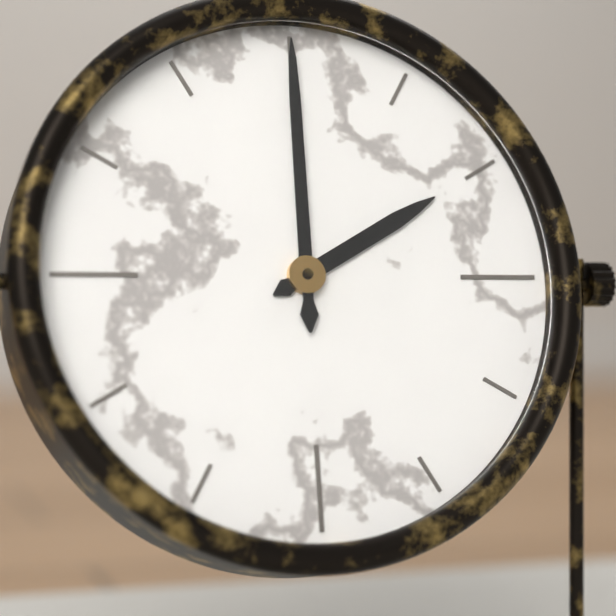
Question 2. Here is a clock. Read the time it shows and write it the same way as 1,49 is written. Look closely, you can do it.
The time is 2,00
